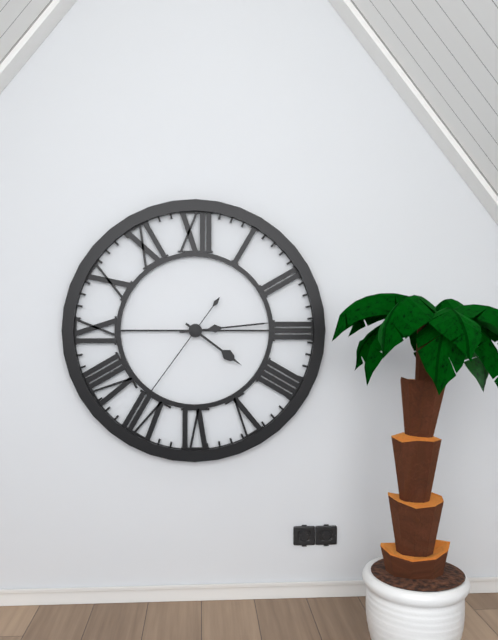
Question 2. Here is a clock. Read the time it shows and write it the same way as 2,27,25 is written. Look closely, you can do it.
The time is 4,14,36
